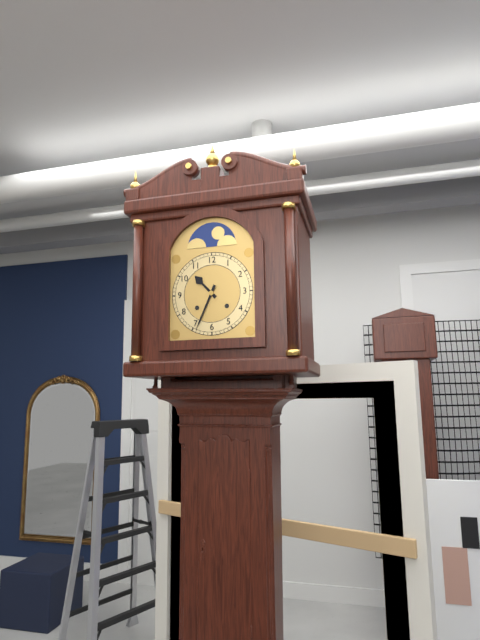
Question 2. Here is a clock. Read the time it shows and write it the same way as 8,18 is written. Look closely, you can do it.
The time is 10,34
